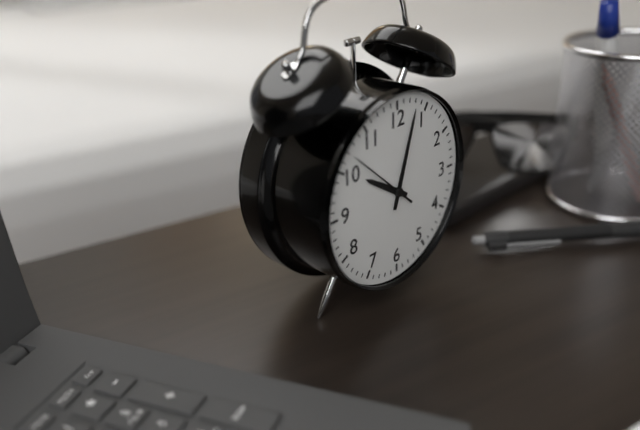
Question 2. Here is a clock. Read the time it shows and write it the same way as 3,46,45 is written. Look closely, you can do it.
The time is 10,03,52
